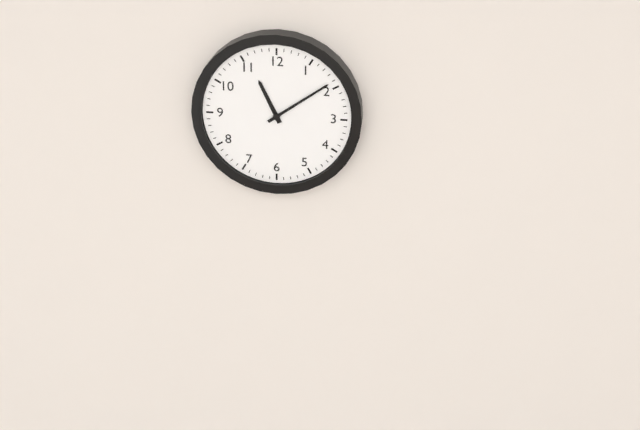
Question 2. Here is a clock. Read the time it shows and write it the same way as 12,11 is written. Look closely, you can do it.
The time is 11,09
